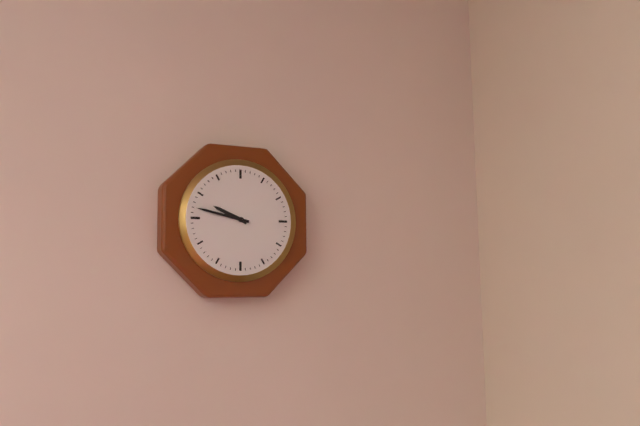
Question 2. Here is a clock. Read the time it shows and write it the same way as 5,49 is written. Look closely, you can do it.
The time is 9,47
